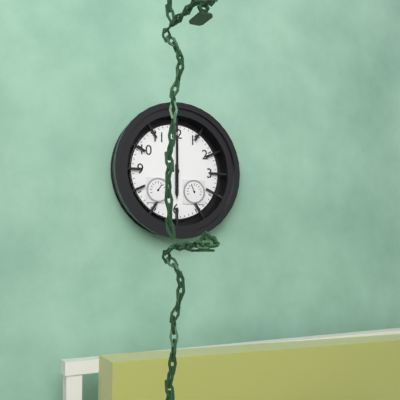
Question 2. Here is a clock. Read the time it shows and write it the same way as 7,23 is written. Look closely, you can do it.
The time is 6,00
